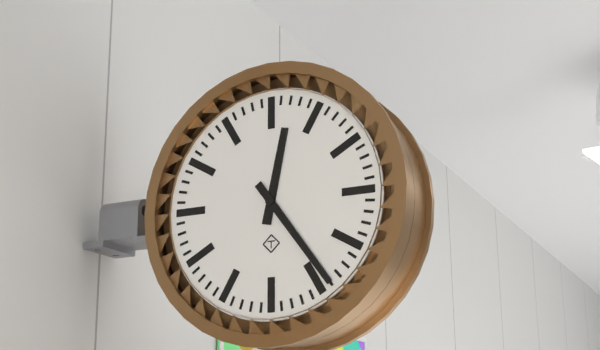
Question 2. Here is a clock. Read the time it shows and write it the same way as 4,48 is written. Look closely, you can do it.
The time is 12,24
